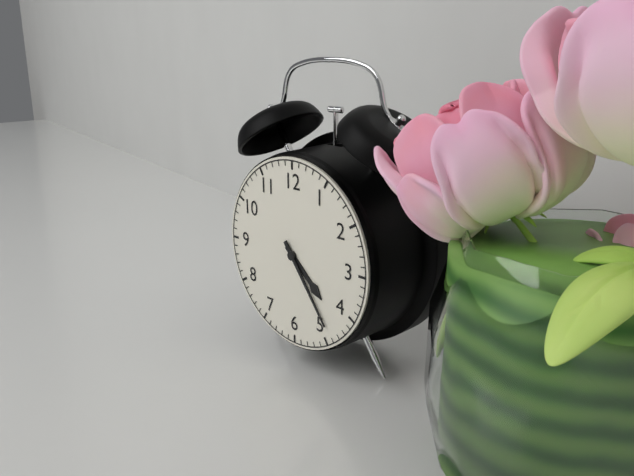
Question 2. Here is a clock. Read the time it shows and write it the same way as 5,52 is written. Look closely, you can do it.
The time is 4,24
